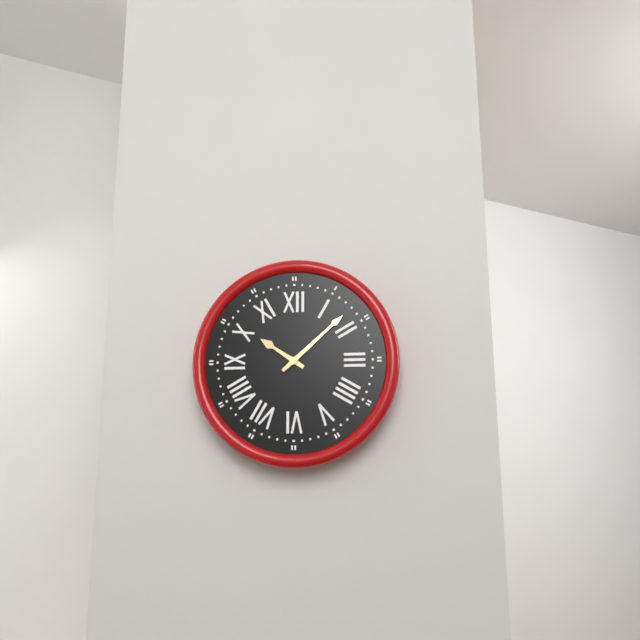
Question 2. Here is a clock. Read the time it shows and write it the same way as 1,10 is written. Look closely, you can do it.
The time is 10,08
